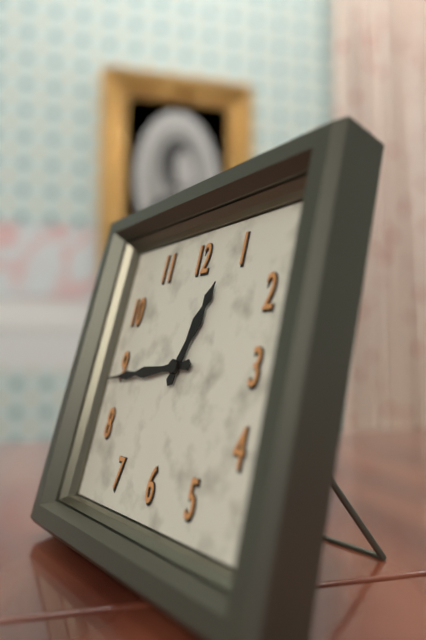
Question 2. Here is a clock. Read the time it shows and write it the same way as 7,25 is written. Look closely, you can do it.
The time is 12,44
